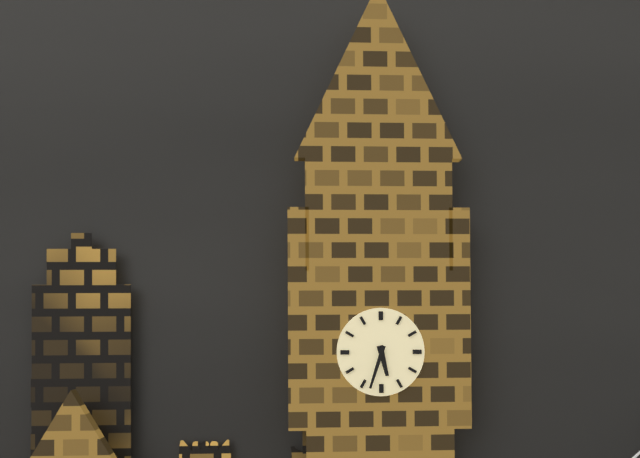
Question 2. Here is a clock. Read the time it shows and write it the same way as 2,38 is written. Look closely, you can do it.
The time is 5,33
